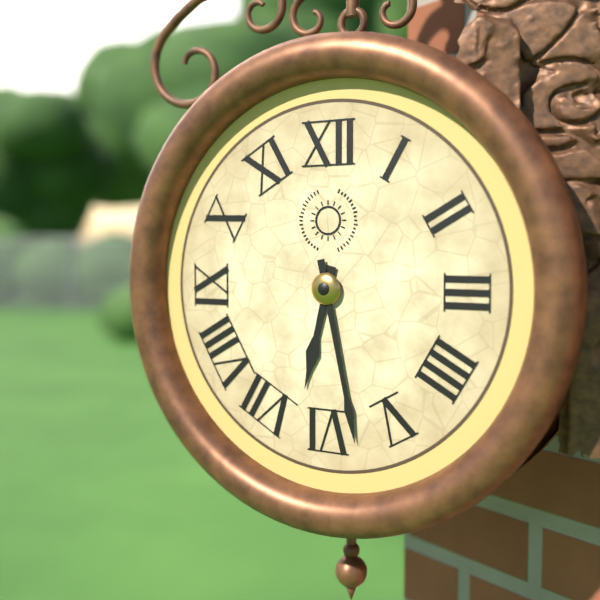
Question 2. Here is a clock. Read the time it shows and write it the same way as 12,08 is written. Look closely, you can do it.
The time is 6,28
